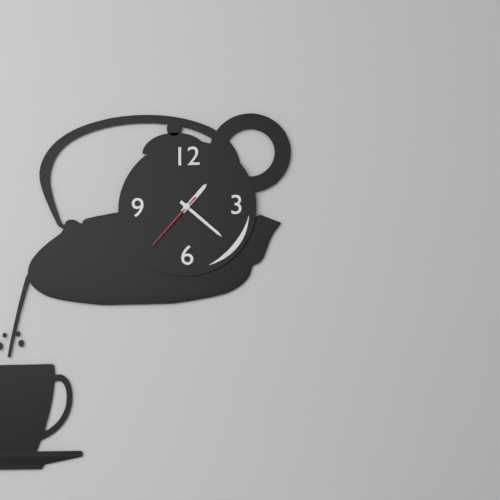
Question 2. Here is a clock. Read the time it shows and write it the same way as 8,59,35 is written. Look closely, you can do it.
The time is 1,22,37
